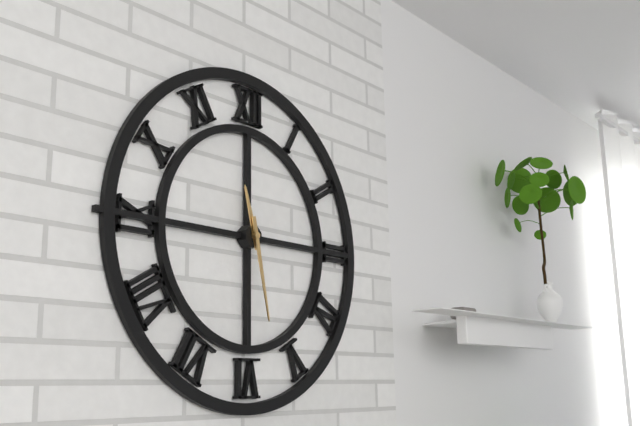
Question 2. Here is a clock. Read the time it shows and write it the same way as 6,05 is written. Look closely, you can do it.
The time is 11,28
